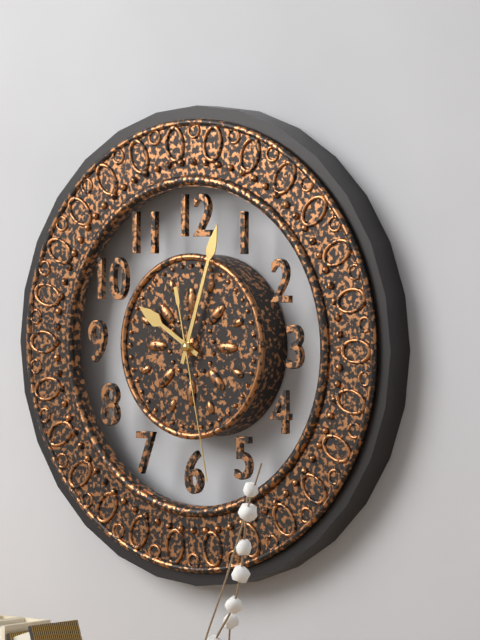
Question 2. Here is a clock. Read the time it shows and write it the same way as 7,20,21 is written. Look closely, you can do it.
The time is 10,03,28
